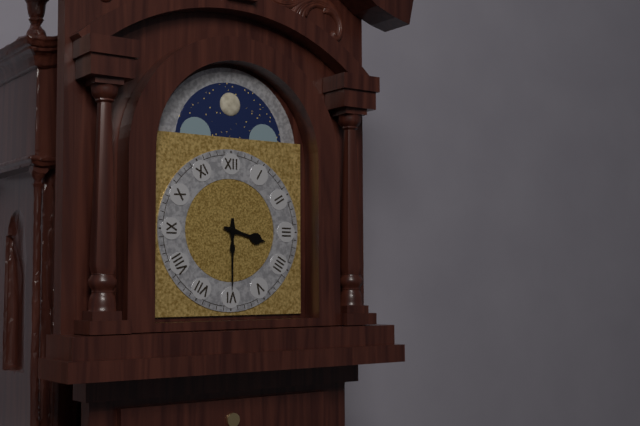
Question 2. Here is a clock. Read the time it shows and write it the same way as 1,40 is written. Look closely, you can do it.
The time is 3,30
